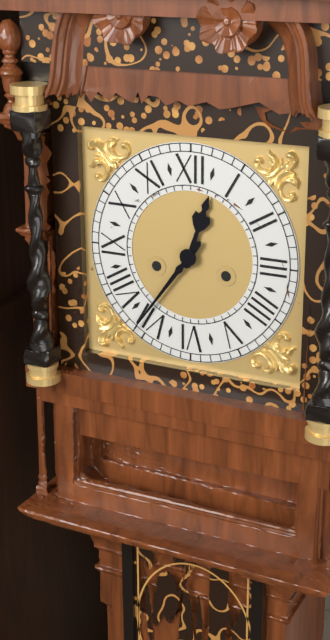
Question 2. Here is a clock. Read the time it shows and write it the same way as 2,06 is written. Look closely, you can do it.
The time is 12,36
